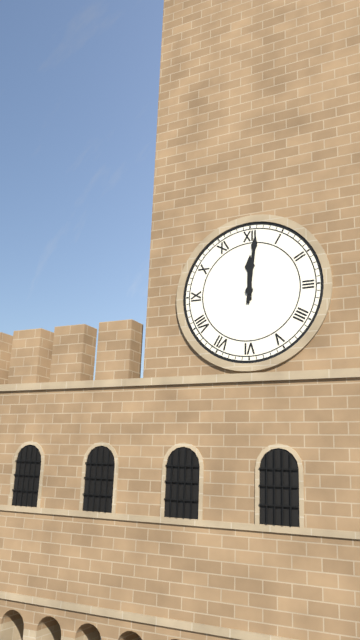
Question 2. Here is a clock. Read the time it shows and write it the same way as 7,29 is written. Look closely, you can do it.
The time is 12,01
